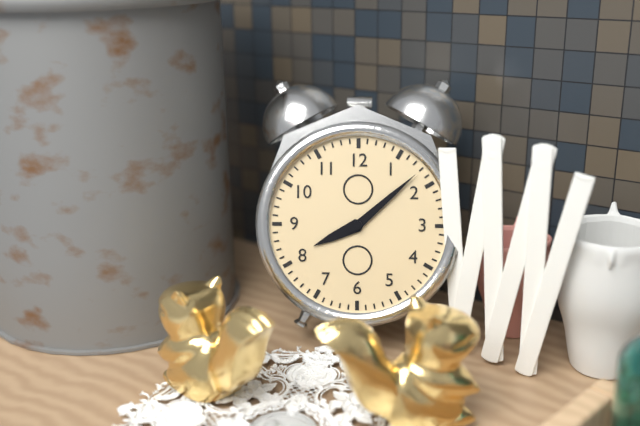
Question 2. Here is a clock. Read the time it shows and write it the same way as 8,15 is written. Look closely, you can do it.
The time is 8,08
